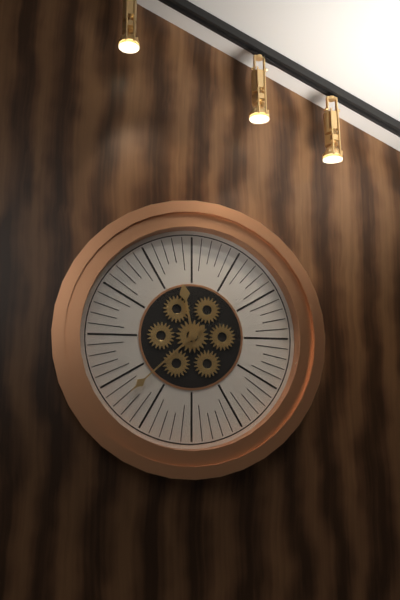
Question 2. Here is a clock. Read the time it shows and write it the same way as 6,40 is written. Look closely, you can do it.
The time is 11,38
